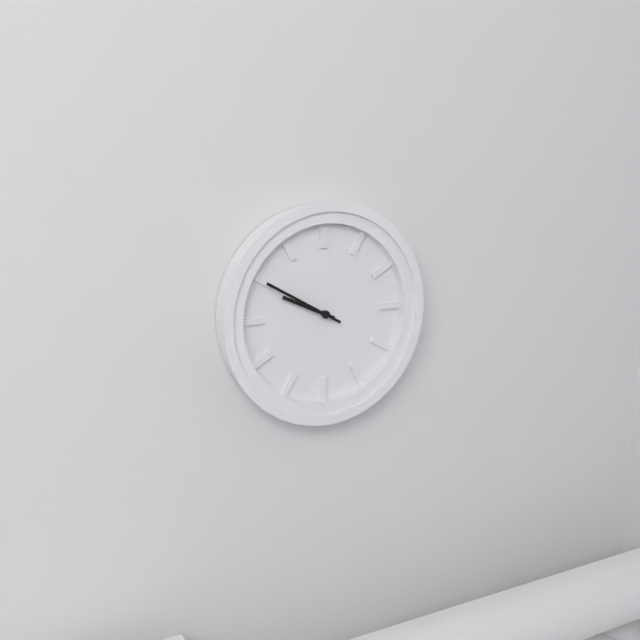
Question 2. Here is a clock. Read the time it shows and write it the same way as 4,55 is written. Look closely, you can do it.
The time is 9,50
